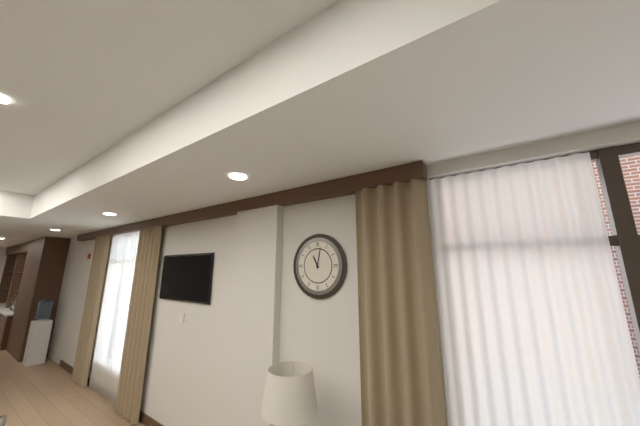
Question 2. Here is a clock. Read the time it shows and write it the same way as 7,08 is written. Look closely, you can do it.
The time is 11,02
